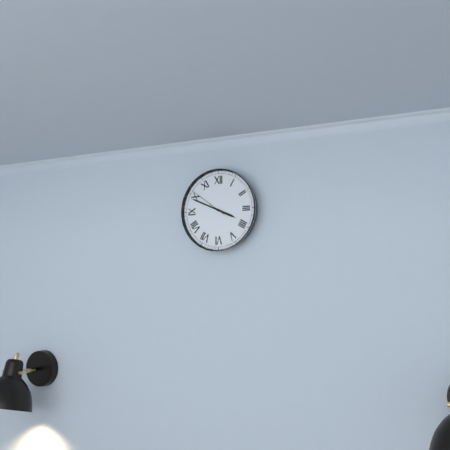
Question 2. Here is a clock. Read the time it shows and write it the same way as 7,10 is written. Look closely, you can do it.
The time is 3,49
